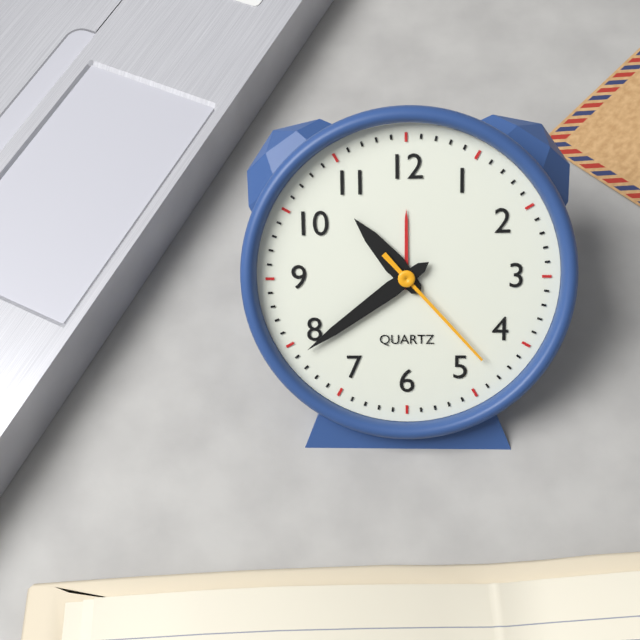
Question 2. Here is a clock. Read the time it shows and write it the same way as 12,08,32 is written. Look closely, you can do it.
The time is 10,39,23
